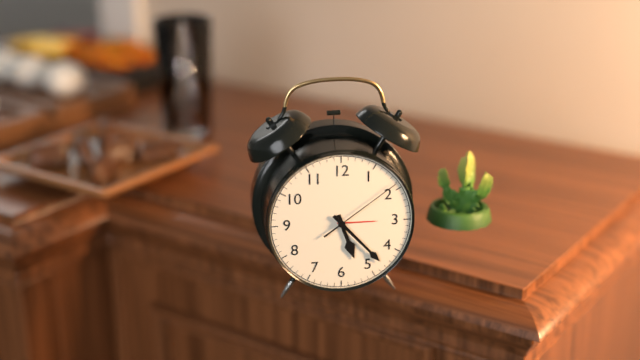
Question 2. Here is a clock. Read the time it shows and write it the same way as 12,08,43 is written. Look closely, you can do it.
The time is 5,23,09
